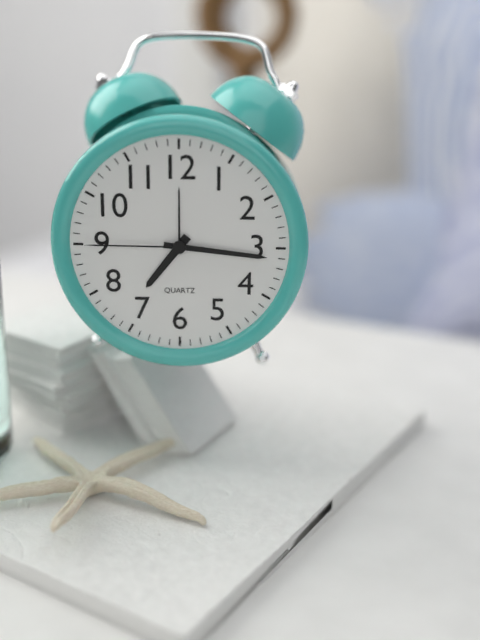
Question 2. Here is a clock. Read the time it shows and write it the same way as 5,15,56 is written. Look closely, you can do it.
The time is 7,16,45
